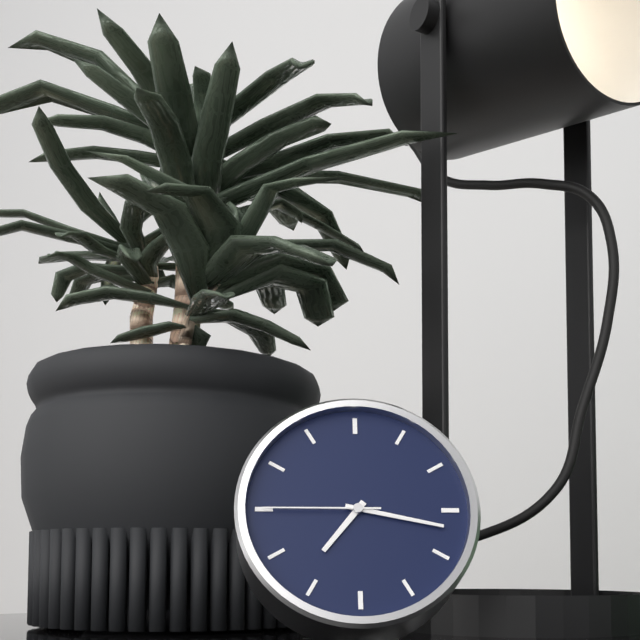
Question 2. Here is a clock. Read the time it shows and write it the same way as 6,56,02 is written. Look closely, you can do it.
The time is 7,17,45
